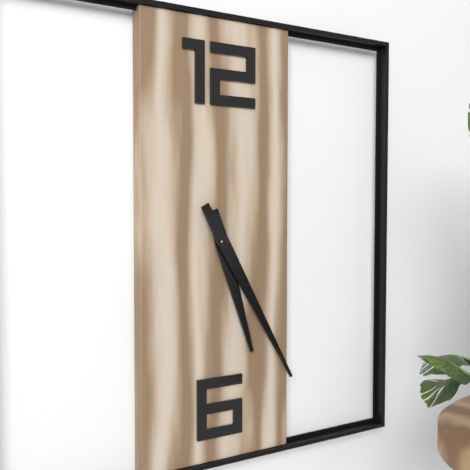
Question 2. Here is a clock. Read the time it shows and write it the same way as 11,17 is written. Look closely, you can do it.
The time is 5,25
